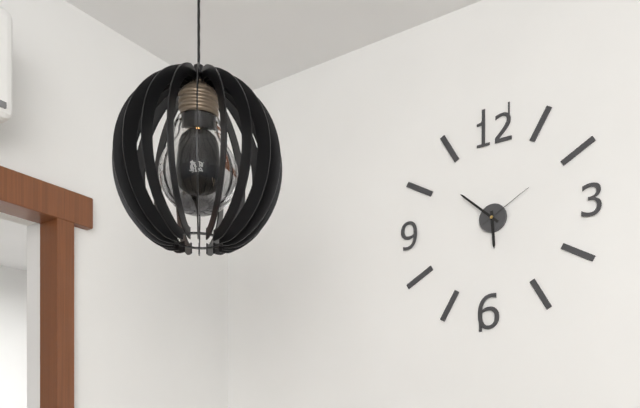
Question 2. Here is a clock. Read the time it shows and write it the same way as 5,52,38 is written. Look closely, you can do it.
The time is 5,52,10
